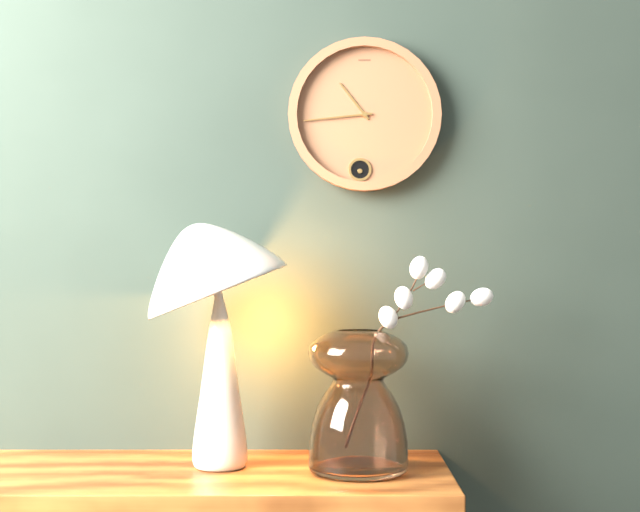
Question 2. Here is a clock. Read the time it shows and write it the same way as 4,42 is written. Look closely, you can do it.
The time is 10,44
